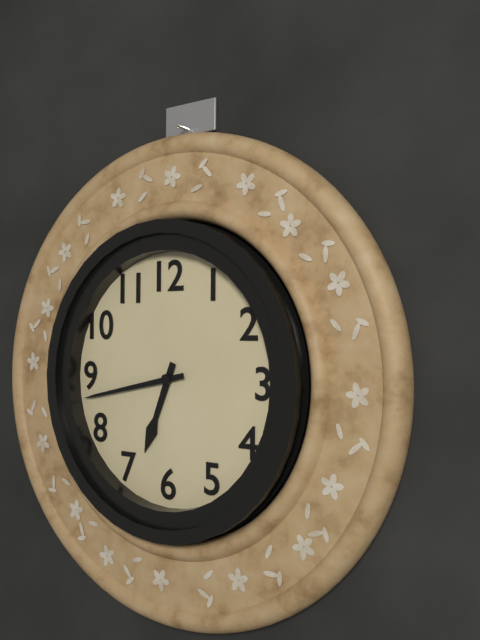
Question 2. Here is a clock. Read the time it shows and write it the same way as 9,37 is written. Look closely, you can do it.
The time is 6,43
